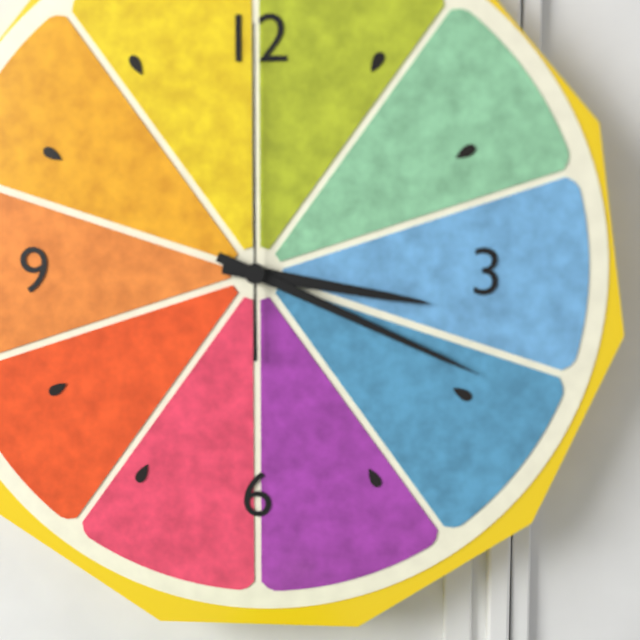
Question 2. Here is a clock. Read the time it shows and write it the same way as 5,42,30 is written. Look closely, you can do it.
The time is 3,19,00
